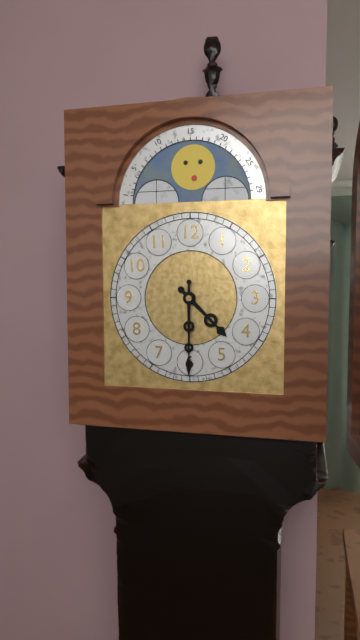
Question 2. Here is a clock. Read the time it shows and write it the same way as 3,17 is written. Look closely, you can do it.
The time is 4,30
